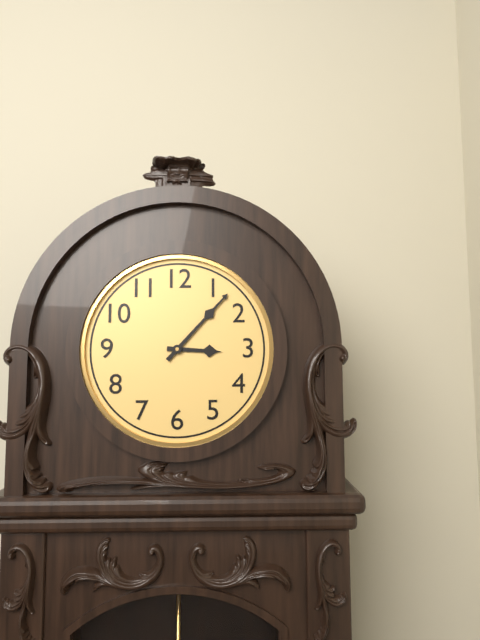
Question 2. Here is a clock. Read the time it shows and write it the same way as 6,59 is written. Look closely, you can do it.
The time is 3,07
